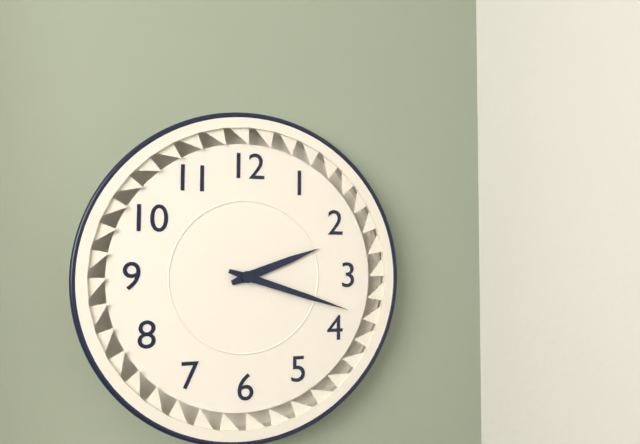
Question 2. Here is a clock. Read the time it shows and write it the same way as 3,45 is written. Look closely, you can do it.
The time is 2,18
